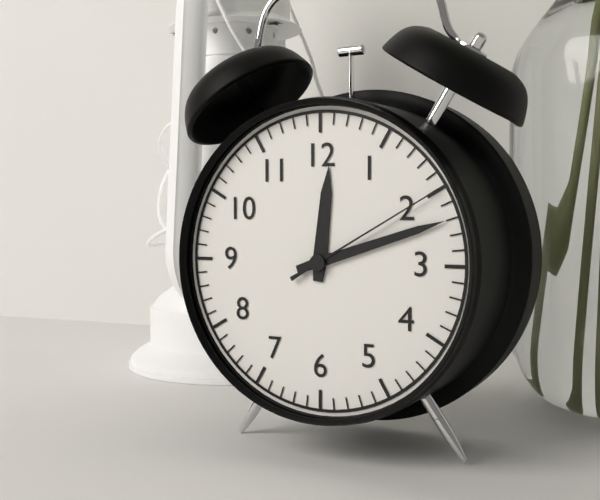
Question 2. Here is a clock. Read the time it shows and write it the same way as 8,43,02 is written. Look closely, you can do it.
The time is 12,12,10
